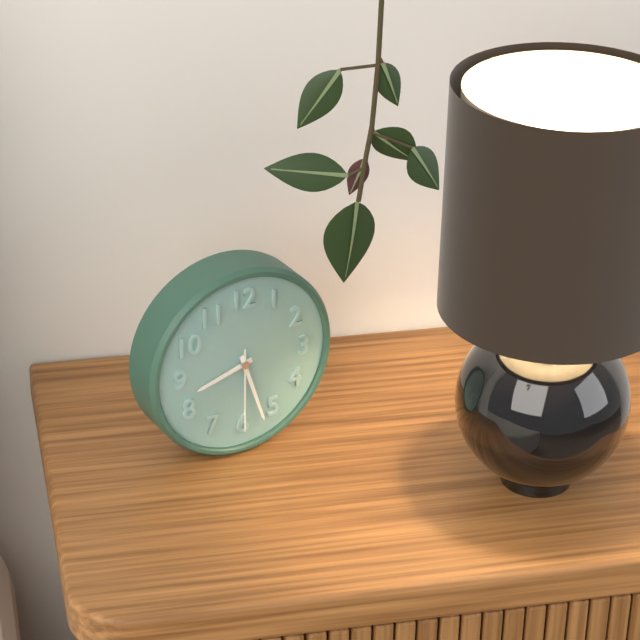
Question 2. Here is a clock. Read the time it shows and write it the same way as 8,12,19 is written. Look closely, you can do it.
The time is 8,27,30
